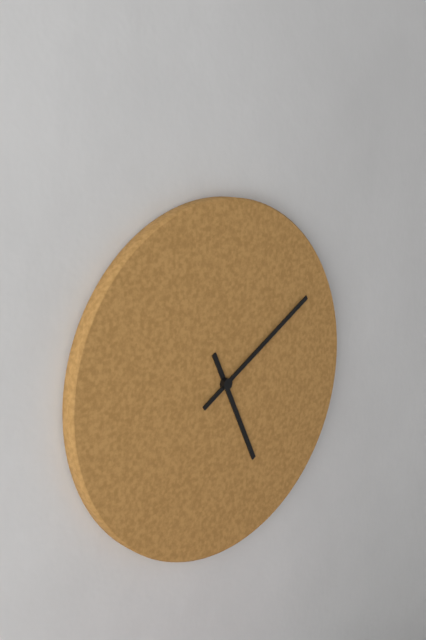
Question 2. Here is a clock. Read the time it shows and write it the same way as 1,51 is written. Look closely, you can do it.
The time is 5,10
